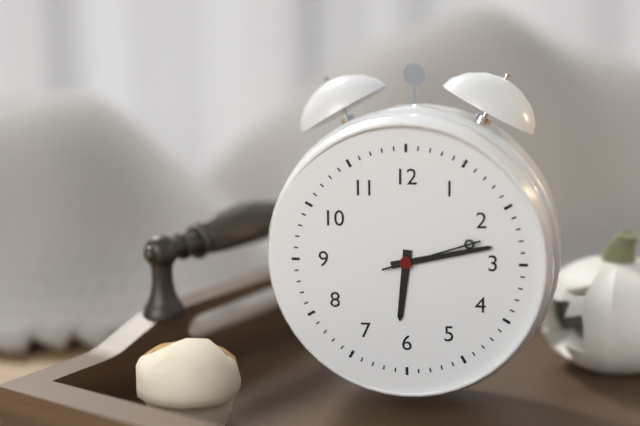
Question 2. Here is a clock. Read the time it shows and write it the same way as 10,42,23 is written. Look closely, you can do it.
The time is 6,13,12
